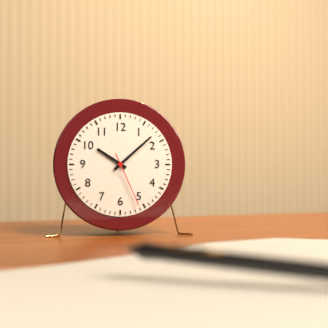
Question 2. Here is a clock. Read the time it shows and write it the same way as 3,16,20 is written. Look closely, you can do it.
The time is 10,08,26
